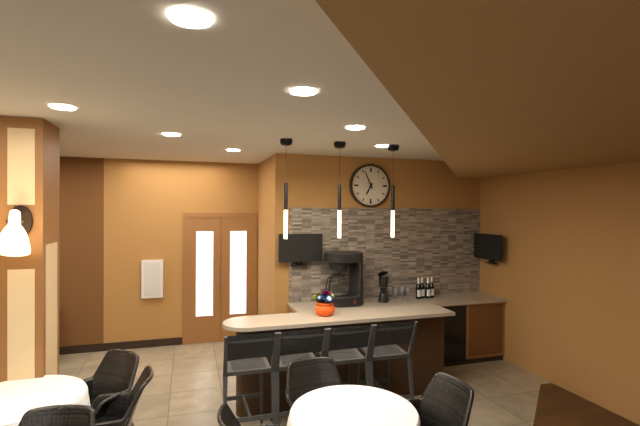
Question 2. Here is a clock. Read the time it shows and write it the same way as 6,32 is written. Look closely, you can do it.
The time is 6,56
